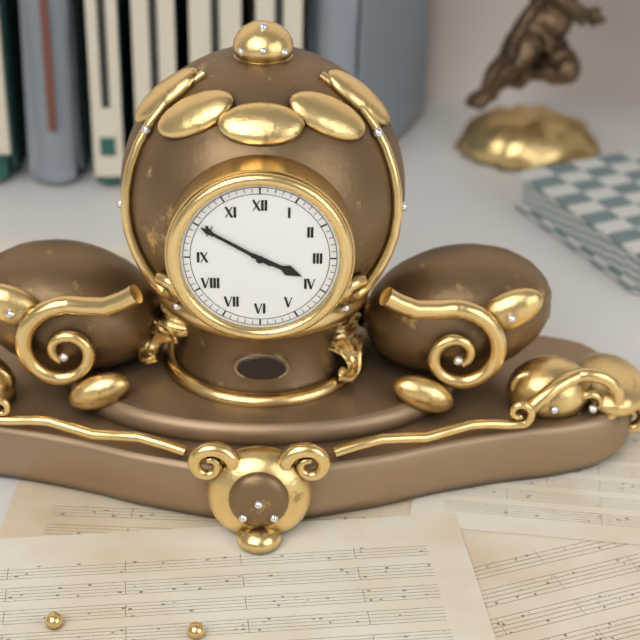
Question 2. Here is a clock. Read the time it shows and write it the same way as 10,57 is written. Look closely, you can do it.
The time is 3,50
